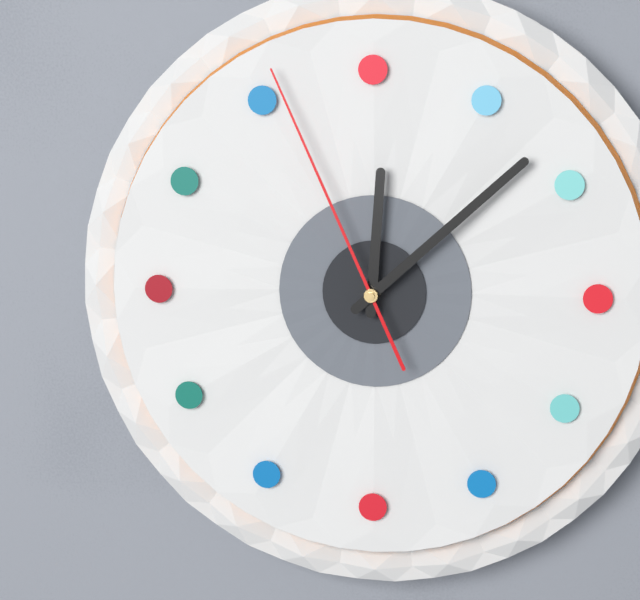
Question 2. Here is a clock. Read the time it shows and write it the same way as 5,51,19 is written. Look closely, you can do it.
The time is 12,08,56
